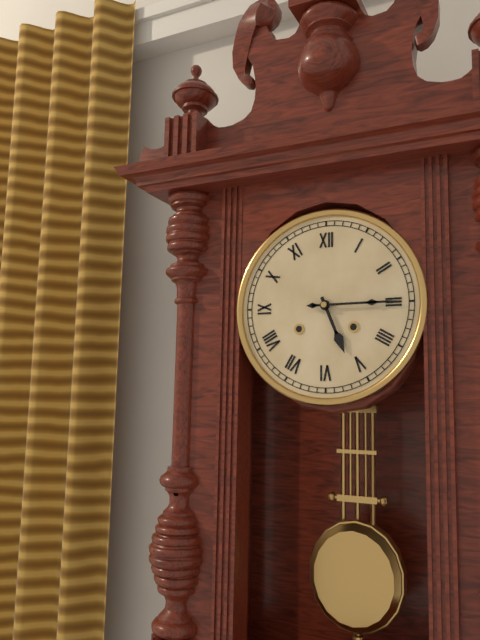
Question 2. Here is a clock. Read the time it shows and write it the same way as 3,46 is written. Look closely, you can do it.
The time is 5,15
